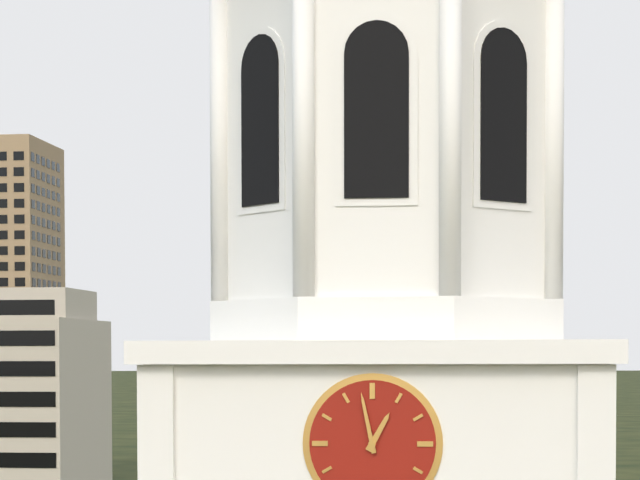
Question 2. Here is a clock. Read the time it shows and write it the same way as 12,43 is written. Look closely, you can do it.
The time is 12,58
